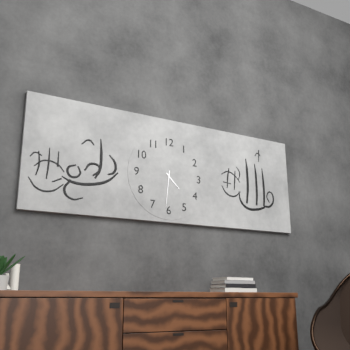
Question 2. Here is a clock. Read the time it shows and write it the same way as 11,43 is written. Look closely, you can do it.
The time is 4,31
